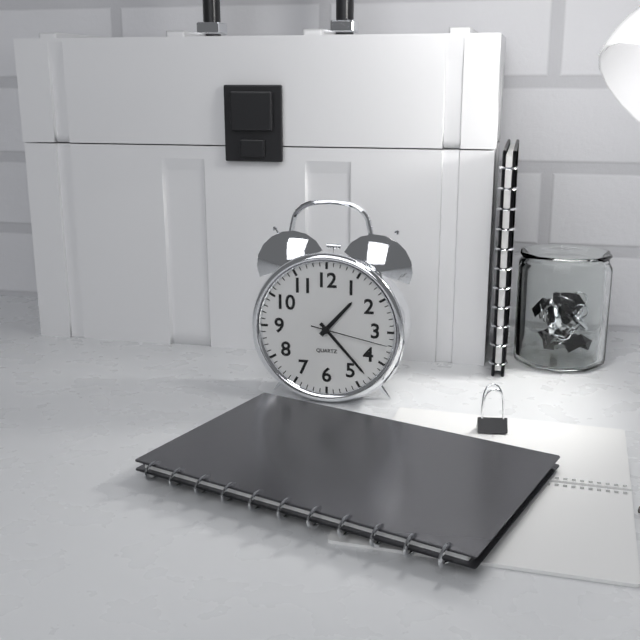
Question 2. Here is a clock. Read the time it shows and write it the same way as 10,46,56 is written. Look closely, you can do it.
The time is 1,23,17
